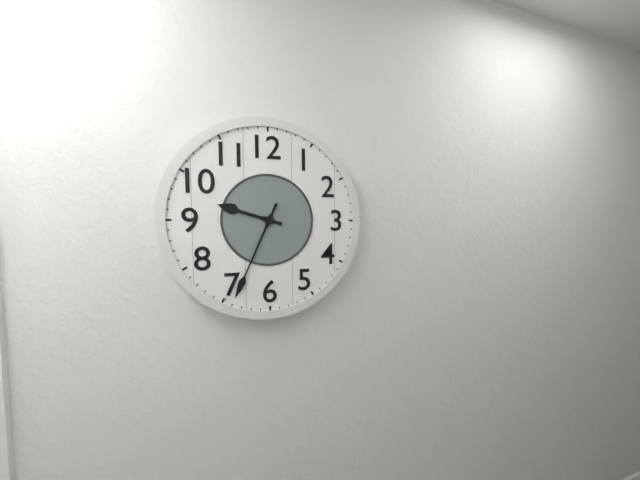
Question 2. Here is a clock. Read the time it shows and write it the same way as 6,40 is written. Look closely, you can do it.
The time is 9,34
